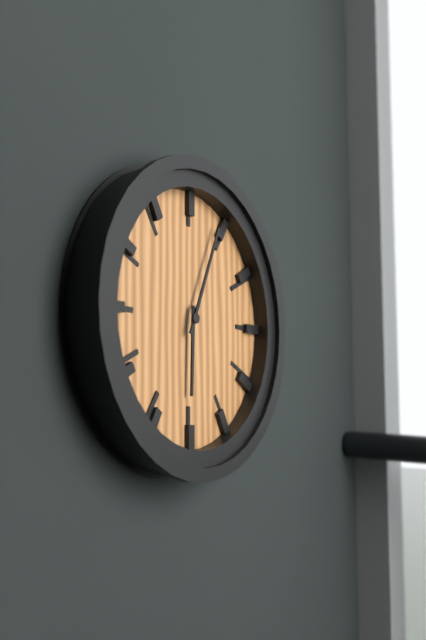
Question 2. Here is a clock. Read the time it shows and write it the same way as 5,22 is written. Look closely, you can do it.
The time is 6,04
